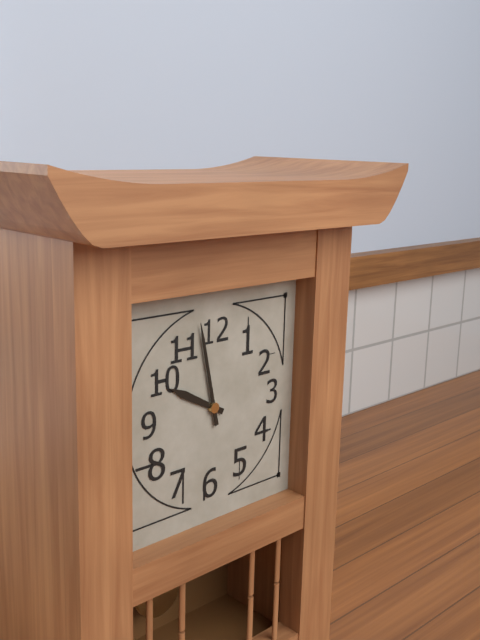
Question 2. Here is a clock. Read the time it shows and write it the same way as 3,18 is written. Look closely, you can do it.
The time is 9,58
